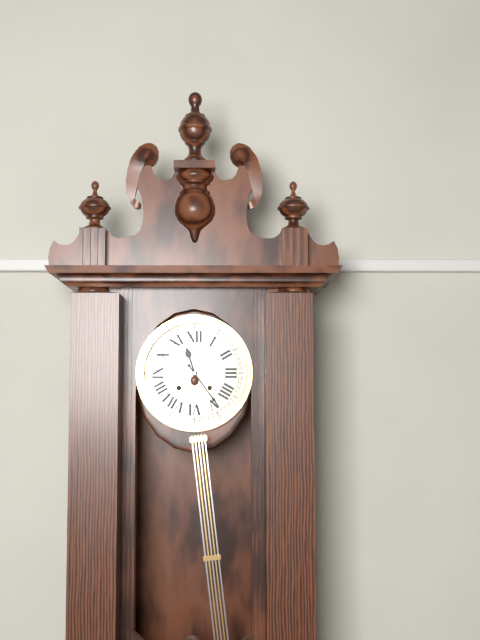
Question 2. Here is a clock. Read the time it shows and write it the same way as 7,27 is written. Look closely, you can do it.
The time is 11,24
